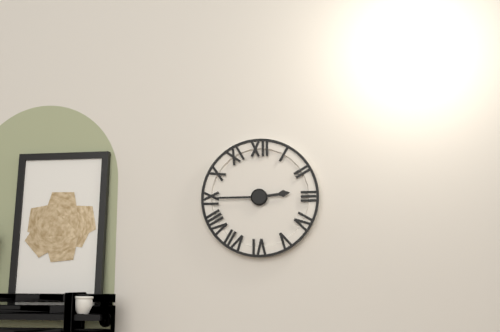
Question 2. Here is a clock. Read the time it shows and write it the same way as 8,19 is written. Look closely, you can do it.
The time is 2,45
